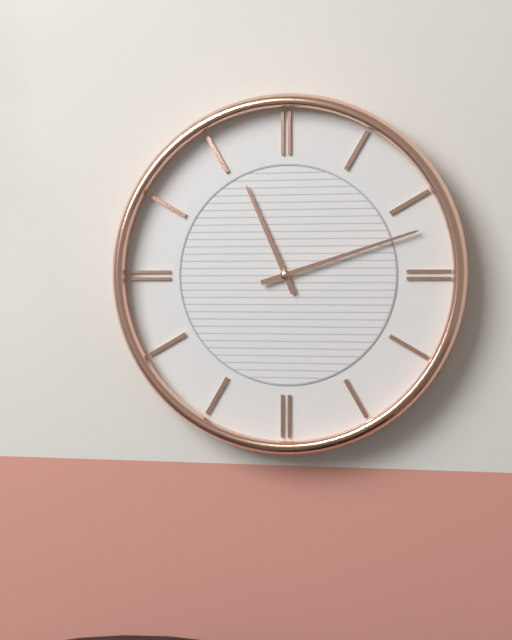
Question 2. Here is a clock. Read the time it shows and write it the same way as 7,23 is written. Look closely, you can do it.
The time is 11,12
